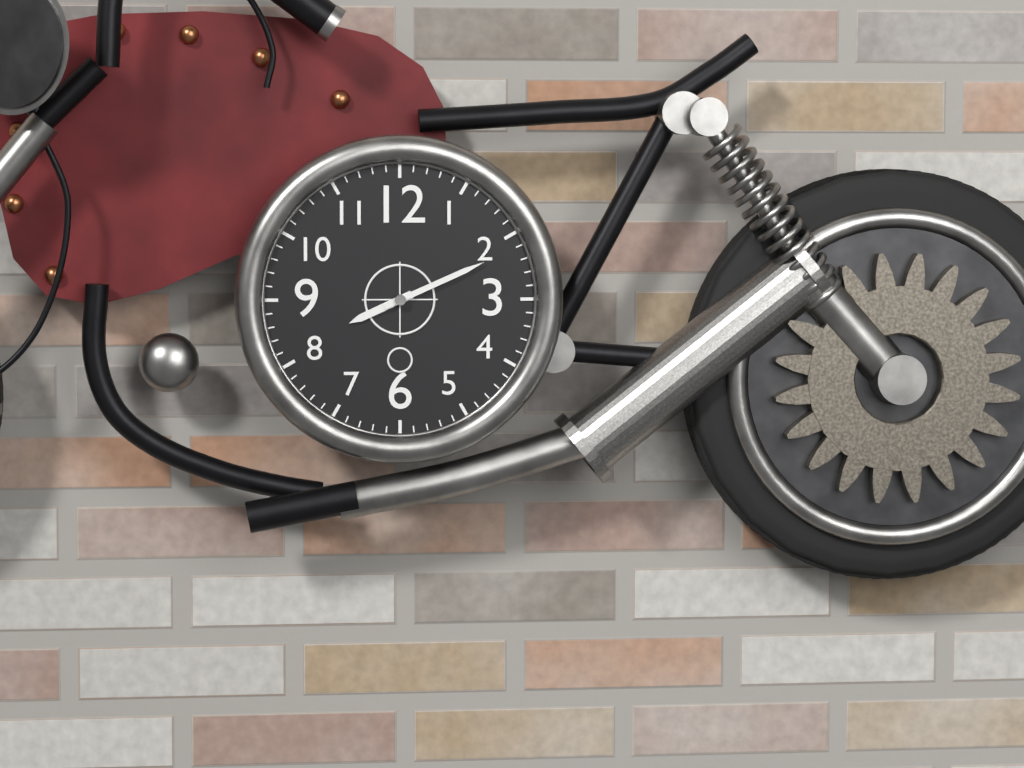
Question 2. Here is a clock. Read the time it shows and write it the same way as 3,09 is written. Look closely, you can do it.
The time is 8,11
